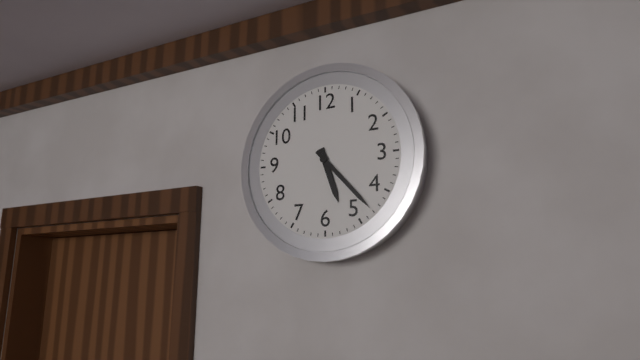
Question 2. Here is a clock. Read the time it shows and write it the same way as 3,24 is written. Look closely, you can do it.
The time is 5,23
